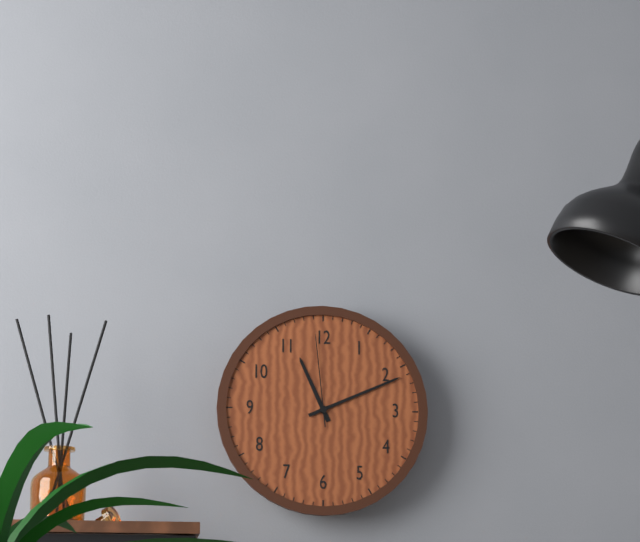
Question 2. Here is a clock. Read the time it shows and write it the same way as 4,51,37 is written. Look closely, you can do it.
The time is 11,11,59
